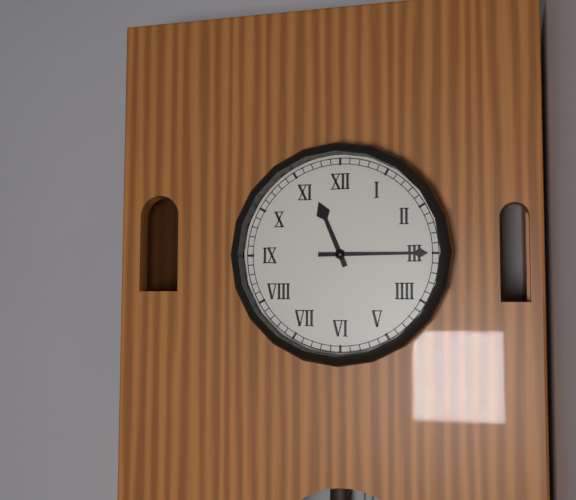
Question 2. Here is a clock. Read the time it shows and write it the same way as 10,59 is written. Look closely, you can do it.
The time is 11,15
